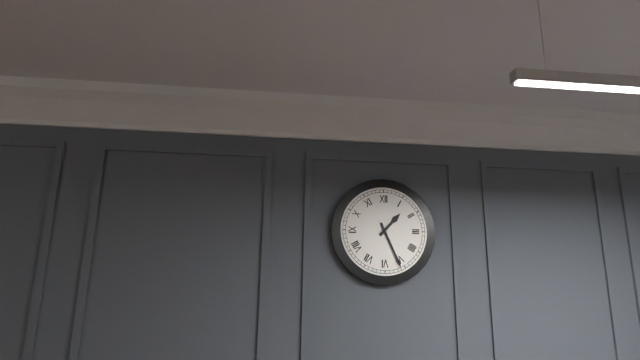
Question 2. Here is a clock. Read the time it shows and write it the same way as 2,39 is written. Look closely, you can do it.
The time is 1,26
